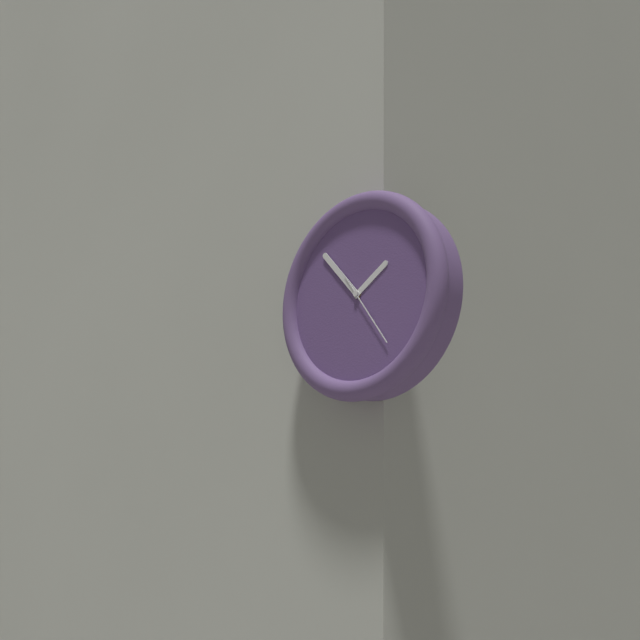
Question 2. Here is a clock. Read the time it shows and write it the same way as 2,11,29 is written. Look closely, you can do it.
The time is 1,53,24
